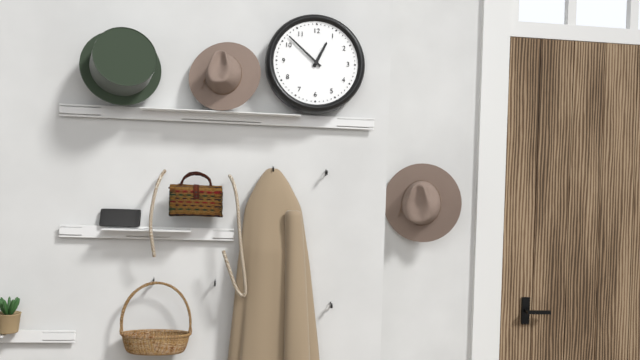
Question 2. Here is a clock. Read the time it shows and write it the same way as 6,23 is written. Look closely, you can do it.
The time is 12,52
